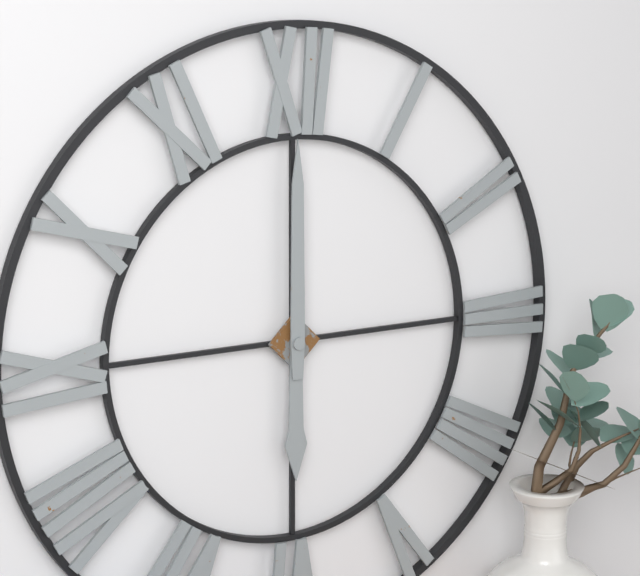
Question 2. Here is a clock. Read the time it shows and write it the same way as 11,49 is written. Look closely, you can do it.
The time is 6,00
